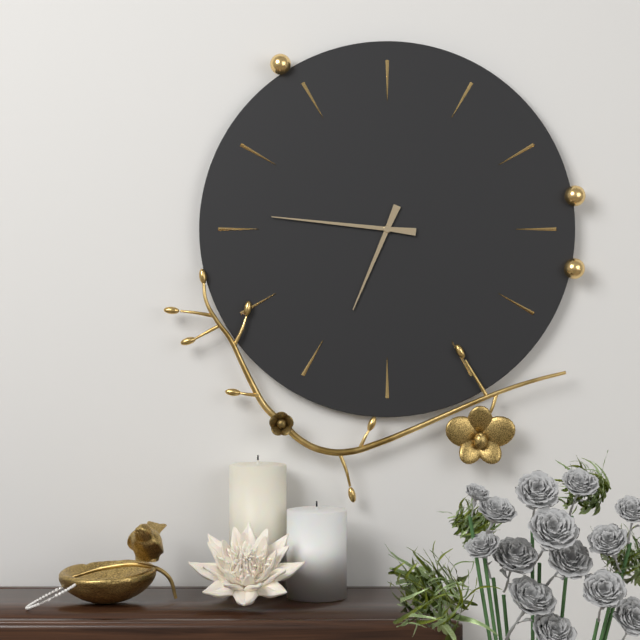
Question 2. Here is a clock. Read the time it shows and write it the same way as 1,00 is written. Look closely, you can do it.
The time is 6,46
